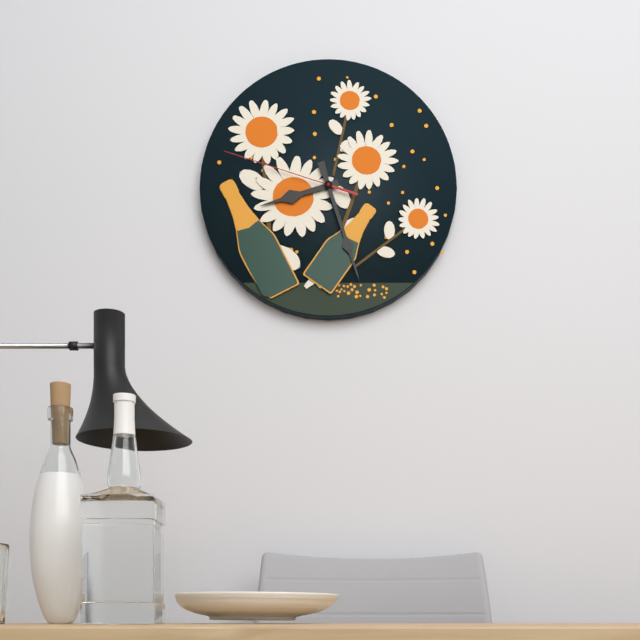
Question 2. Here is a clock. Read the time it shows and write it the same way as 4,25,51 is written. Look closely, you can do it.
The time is 8,27,48
